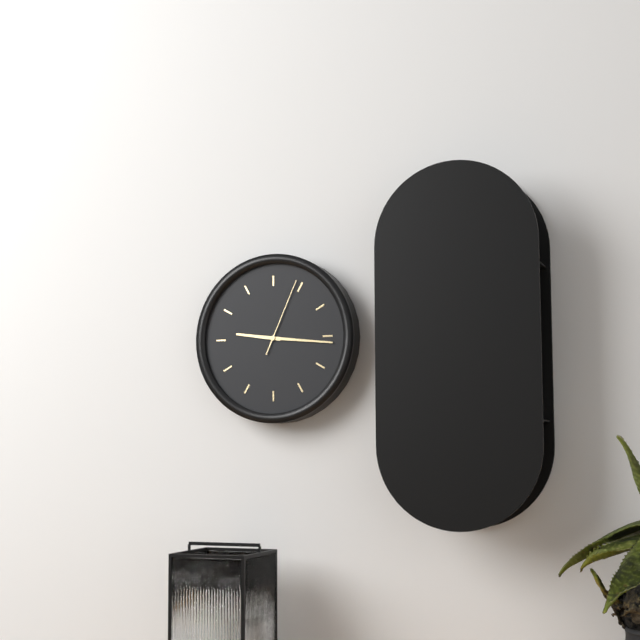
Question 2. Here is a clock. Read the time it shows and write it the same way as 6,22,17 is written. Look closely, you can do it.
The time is 9,16,04
